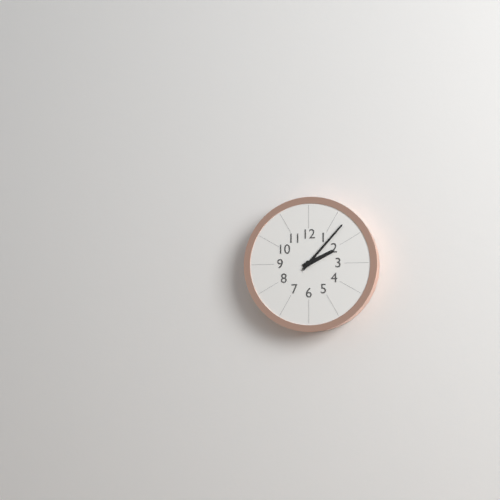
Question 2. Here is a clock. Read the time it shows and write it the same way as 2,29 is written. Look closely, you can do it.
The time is 2,07
